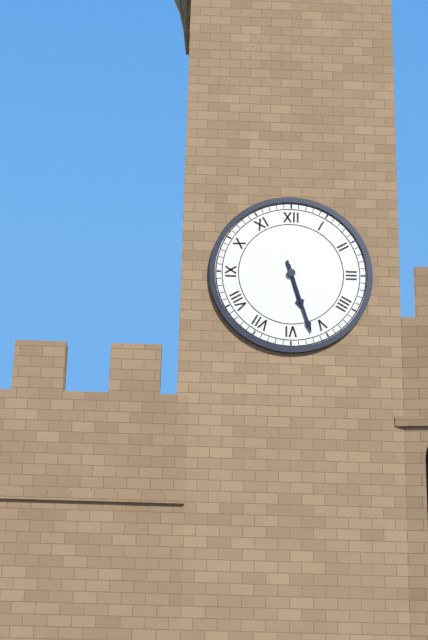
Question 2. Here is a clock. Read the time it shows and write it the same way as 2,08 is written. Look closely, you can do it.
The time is 5,27
